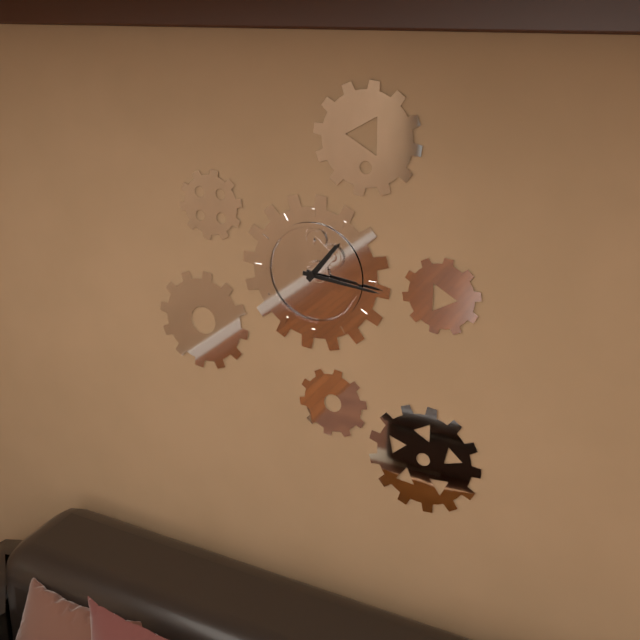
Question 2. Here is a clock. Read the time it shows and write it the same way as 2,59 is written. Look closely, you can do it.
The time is 1,16
